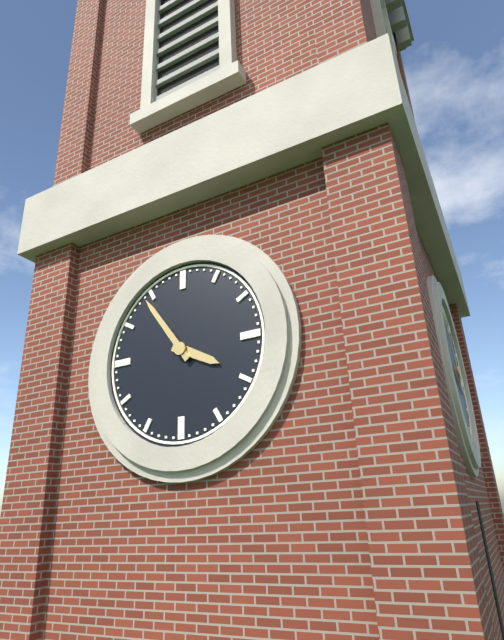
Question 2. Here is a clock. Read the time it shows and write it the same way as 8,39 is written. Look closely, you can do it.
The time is 3,54
